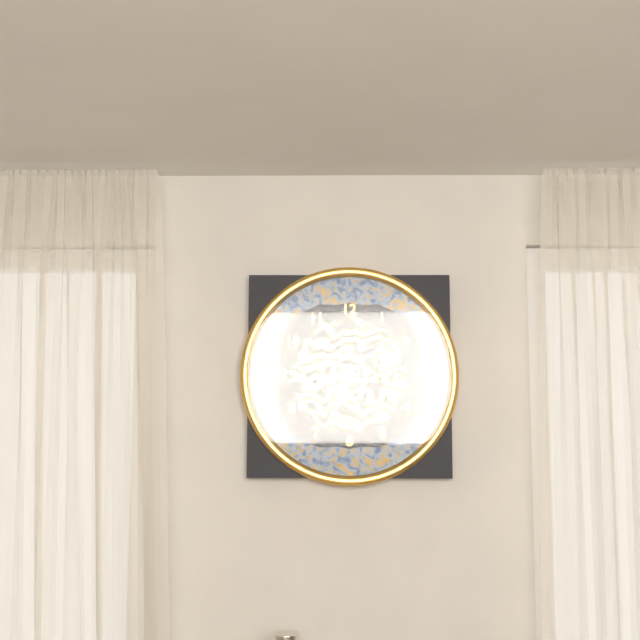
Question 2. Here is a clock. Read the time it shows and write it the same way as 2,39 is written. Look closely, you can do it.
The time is 6,44
